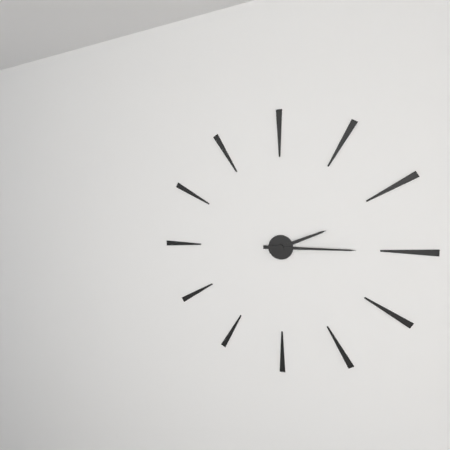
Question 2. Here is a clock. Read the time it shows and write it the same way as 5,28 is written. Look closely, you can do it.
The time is 2,15
